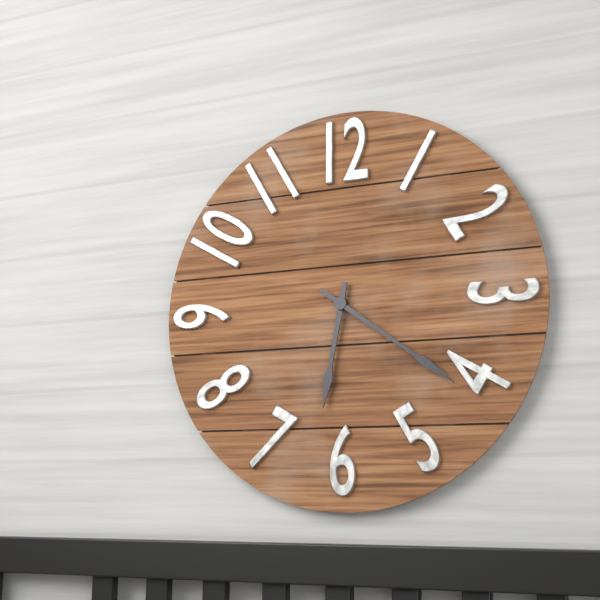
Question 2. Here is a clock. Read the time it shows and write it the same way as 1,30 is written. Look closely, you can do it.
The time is 6,21
